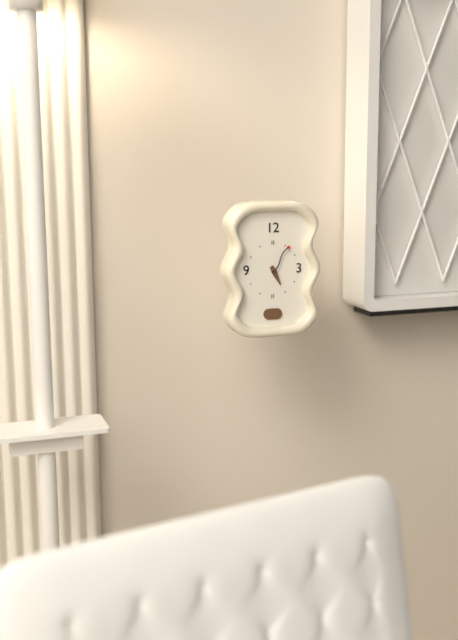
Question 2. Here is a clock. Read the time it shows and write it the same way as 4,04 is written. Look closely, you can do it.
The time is 5,06
